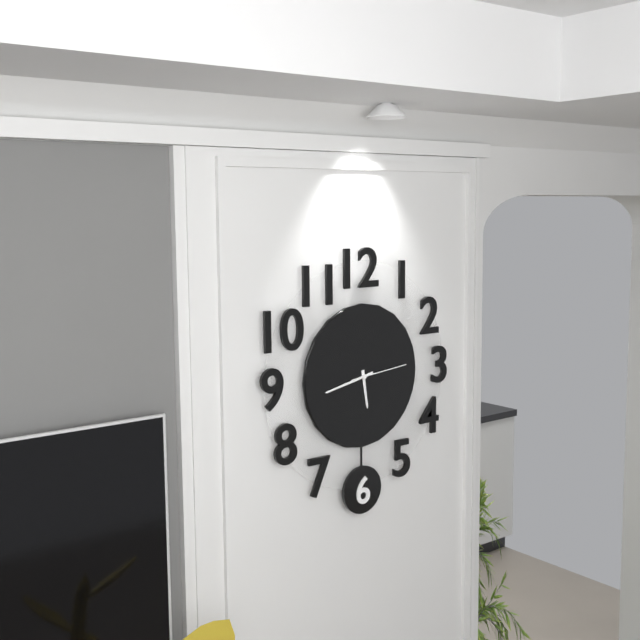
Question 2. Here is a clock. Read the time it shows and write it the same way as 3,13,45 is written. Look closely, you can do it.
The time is 5,43,14
